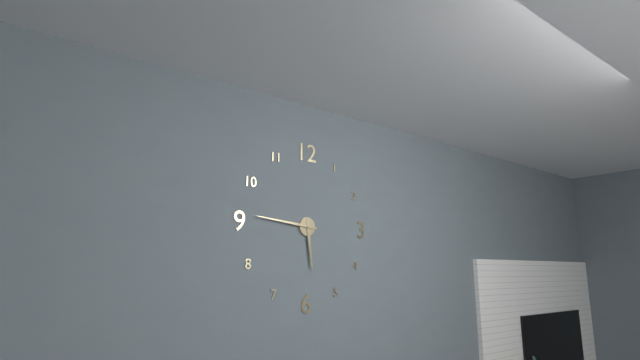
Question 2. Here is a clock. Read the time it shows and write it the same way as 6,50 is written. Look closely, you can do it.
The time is 5,46
